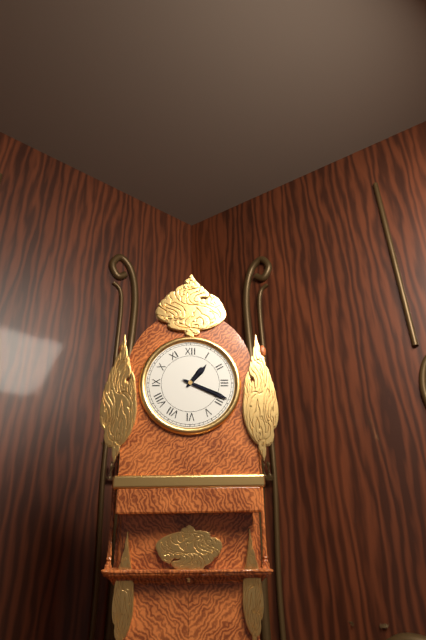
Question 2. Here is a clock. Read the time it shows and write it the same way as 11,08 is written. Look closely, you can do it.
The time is 1,19
